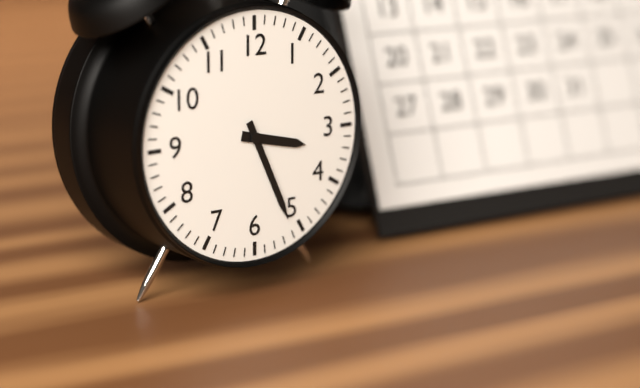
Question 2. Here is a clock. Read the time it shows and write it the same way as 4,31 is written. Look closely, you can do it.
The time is 3,26
